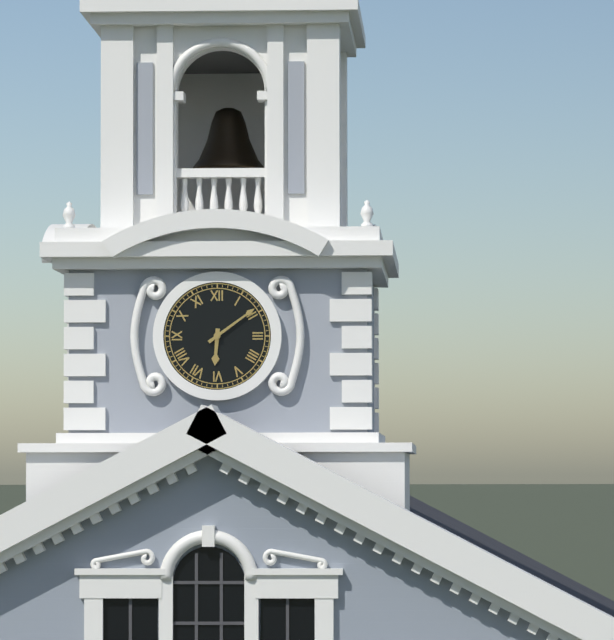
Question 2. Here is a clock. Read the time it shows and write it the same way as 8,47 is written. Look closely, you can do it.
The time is 6,09
